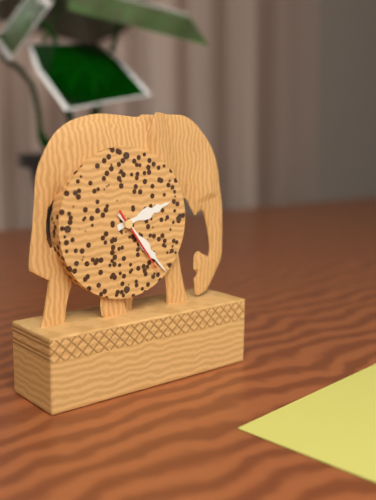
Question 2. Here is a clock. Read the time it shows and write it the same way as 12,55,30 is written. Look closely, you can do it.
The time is 2,23,24
